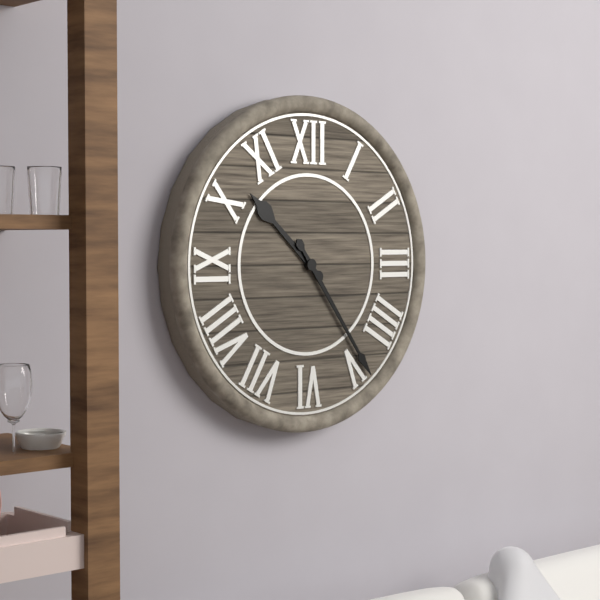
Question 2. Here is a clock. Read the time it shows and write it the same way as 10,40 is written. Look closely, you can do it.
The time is 10,24
